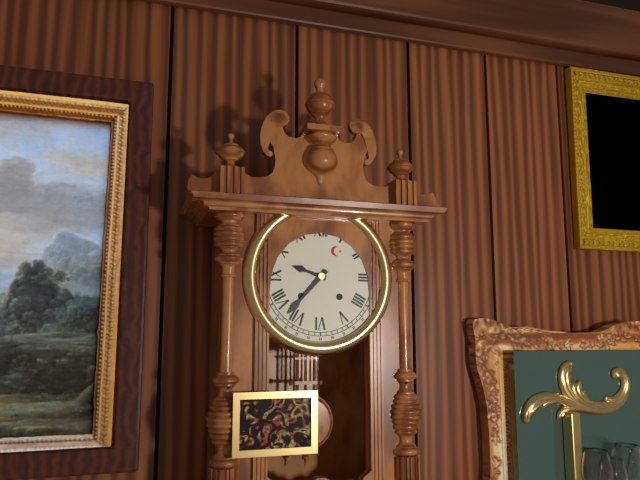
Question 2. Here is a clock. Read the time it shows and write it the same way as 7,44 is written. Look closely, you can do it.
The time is 9,37
